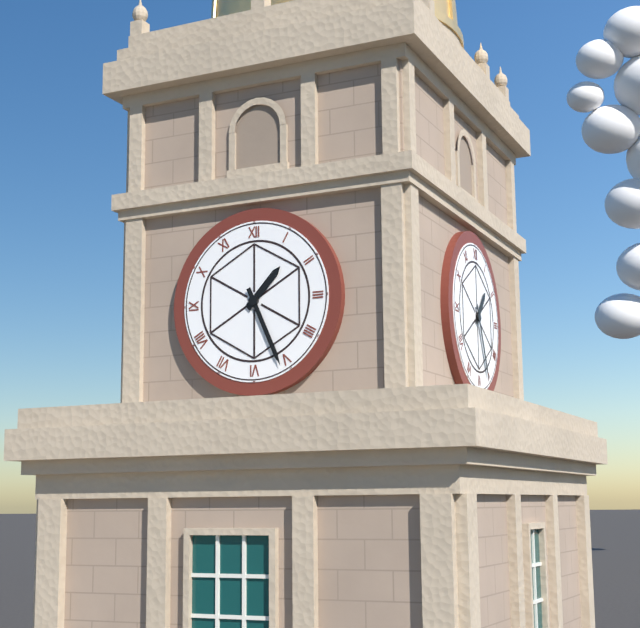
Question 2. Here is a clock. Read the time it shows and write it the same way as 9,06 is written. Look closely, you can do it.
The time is 1,26
